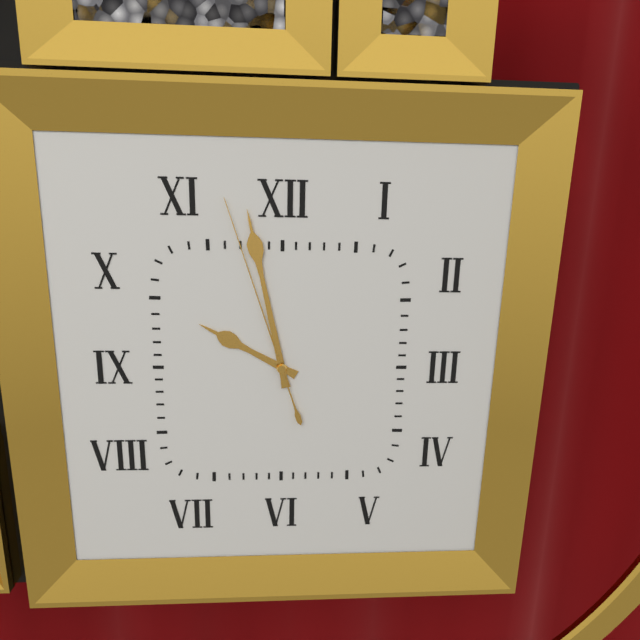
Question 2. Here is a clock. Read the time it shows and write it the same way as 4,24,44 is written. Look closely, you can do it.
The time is 9,58,57
